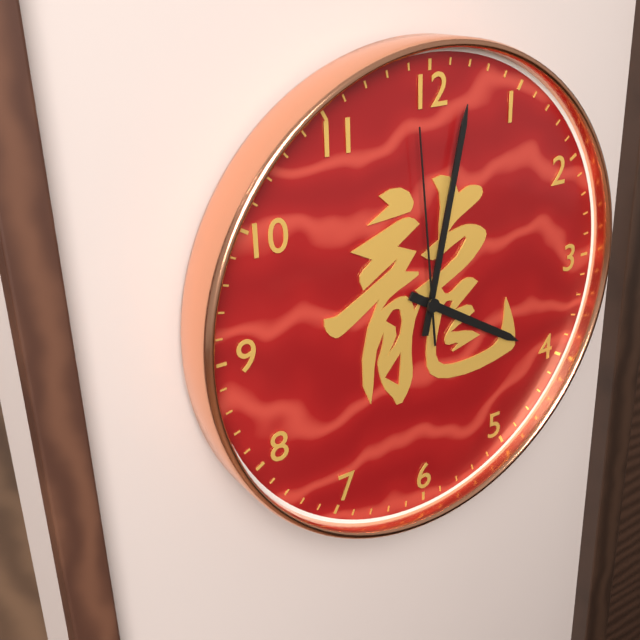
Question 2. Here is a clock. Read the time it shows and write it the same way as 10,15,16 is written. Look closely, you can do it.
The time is 4,02,59
